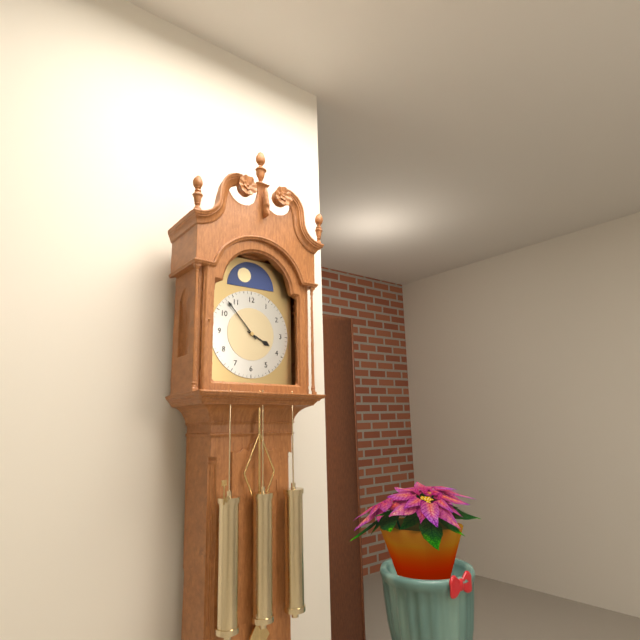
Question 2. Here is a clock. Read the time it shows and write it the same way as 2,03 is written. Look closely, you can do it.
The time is 3,53
